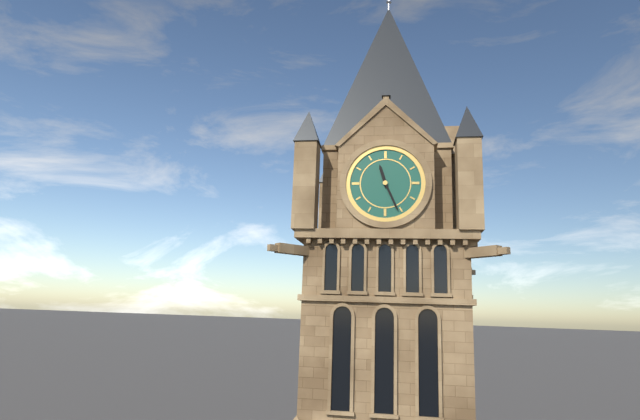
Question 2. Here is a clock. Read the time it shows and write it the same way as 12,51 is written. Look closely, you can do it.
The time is 11,26
